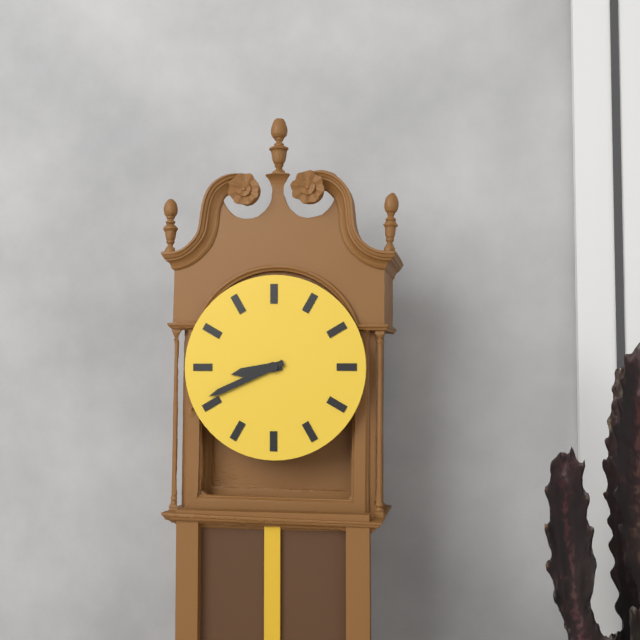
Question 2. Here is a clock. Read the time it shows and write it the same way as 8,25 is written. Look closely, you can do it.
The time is 8,41
